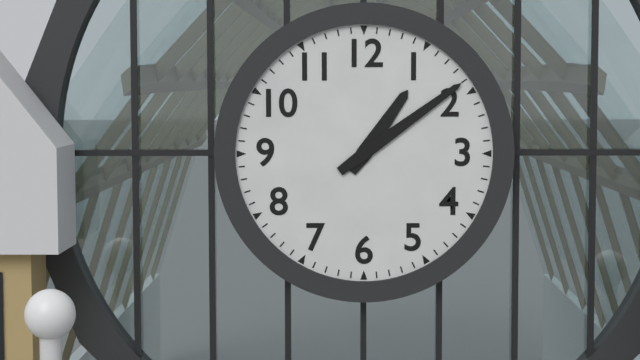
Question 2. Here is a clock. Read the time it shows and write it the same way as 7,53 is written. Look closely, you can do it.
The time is 1,09
